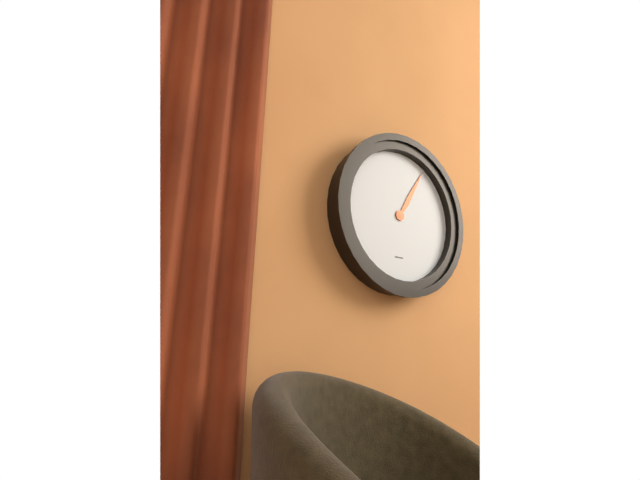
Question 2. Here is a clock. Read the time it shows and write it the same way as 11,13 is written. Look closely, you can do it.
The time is 1,05
